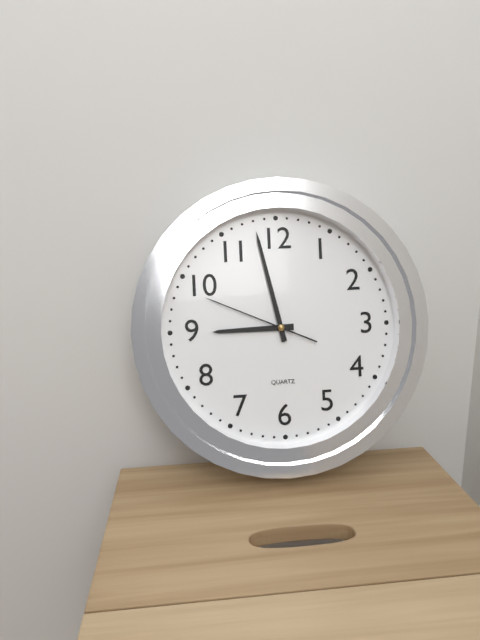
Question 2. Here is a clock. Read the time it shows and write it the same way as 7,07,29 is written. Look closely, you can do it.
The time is 8,58,49
